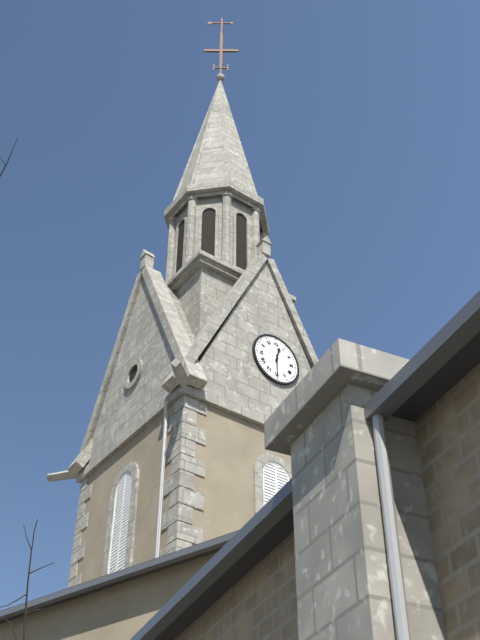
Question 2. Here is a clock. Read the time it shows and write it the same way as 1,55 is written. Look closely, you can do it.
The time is 12,30
